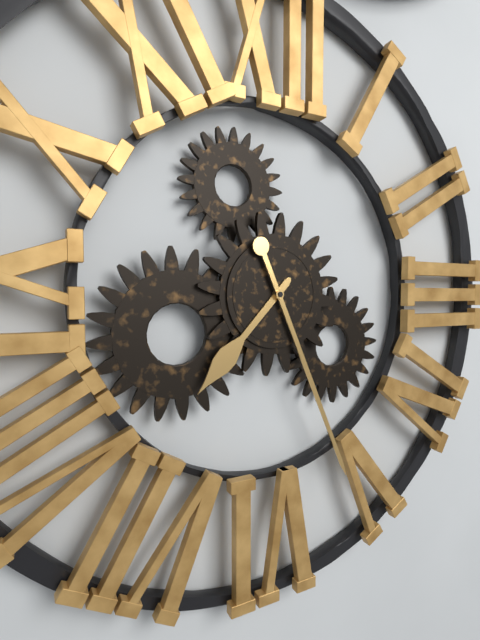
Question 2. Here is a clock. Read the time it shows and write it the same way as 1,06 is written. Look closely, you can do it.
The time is 7,26
